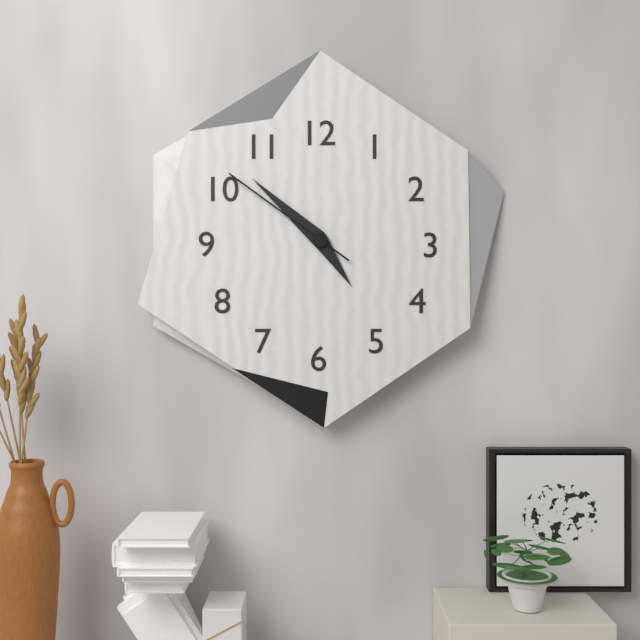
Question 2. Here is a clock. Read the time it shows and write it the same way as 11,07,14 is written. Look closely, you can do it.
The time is 4,52,51
